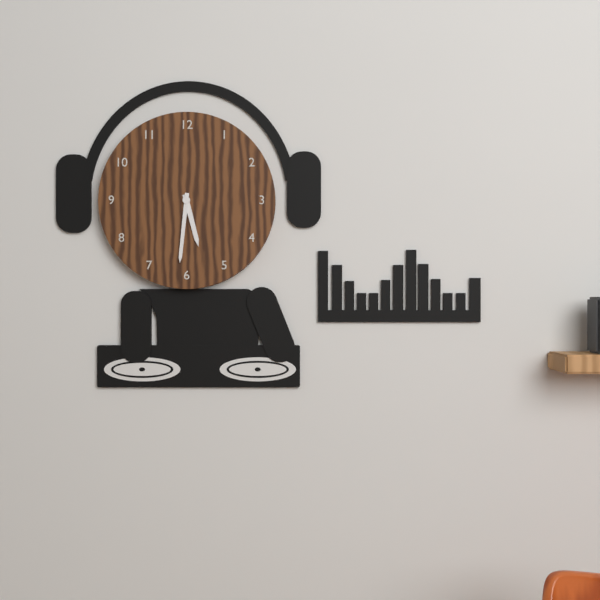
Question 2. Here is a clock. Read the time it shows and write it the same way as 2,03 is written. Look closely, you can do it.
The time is 5,31
